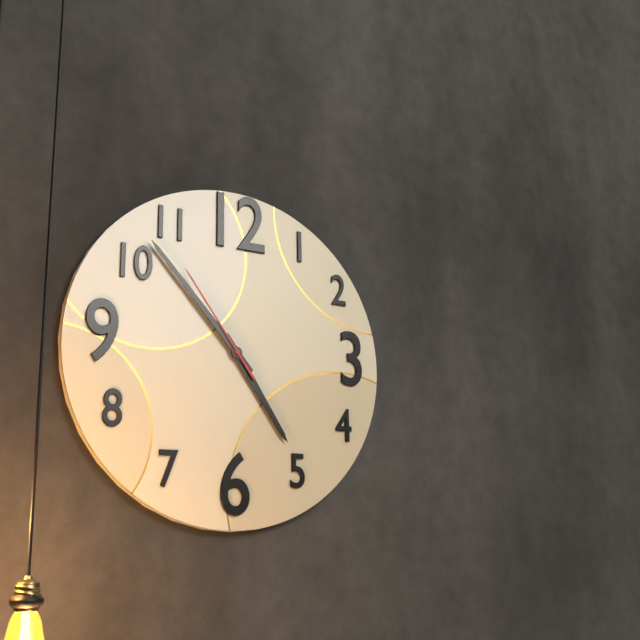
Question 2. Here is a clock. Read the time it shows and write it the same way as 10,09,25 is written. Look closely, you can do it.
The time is 4,53,54
